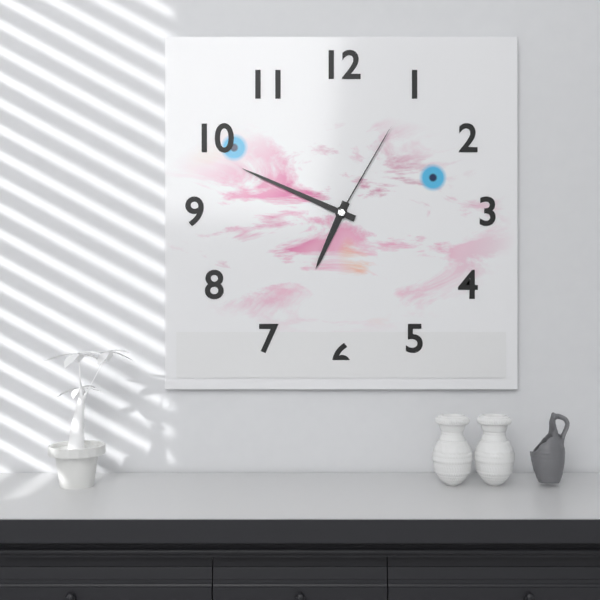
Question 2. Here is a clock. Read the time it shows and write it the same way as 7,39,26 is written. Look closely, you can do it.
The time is 6,49,05
